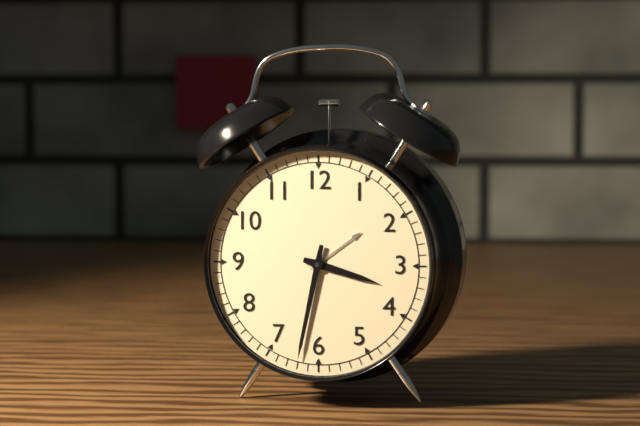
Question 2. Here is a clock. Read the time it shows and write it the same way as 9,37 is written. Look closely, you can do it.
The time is 3,32
